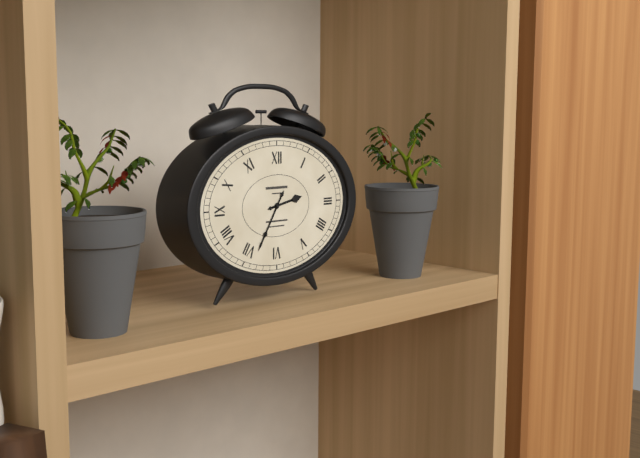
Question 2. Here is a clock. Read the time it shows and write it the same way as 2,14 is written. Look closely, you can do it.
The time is 2,35
